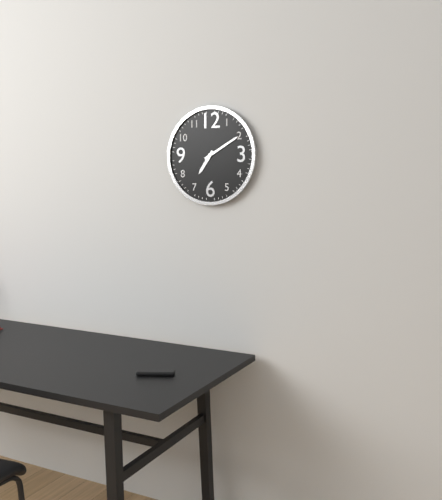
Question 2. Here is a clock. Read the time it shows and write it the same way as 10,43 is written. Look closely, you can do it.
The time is 7,10
